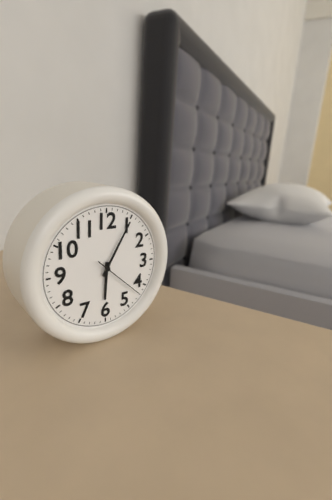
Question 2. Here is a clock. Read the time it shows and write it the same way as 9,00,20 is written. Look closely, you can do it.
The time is 6,05,22
